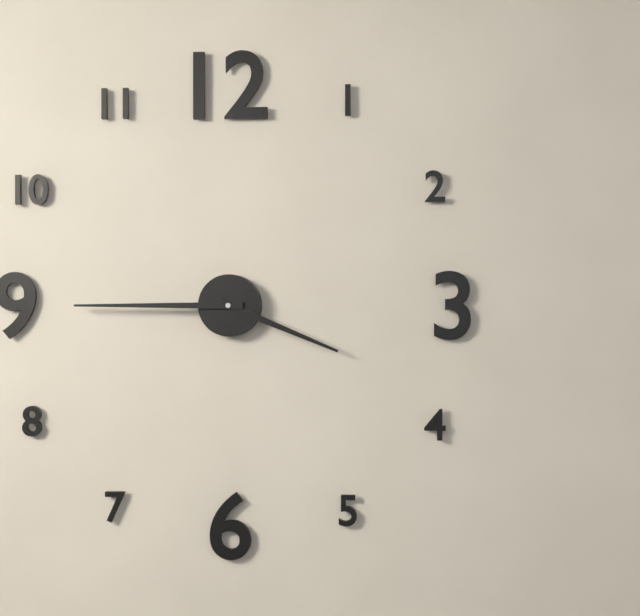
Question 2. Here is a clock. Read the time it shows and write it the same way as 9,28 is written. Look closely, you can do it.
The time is 3,45
